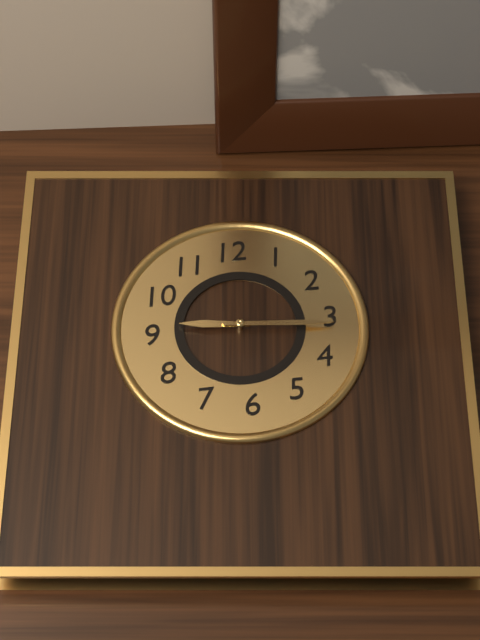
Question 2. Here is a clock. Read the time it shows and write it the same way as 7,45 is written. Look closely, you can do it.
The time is 9,16
